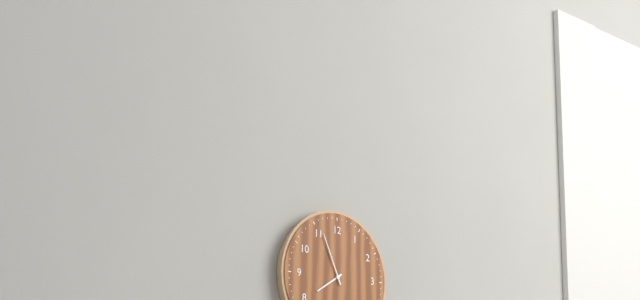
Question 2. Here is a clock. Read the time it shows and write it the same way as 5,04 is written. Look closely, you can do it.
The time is 7,56
